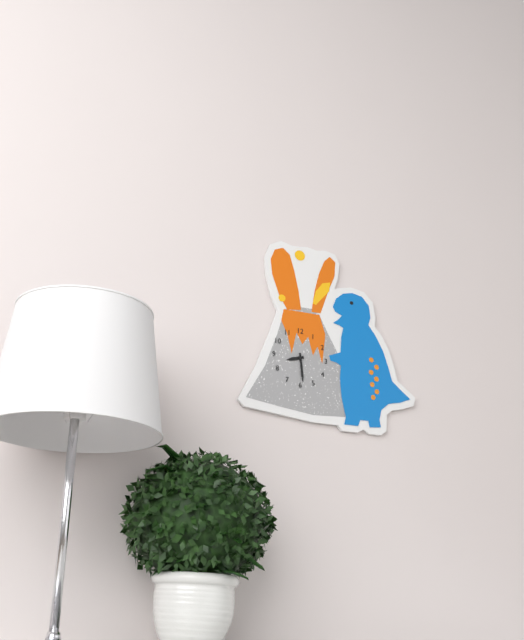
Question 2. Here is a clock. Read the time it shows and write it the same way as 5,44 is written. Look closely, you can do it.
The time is 8,29
